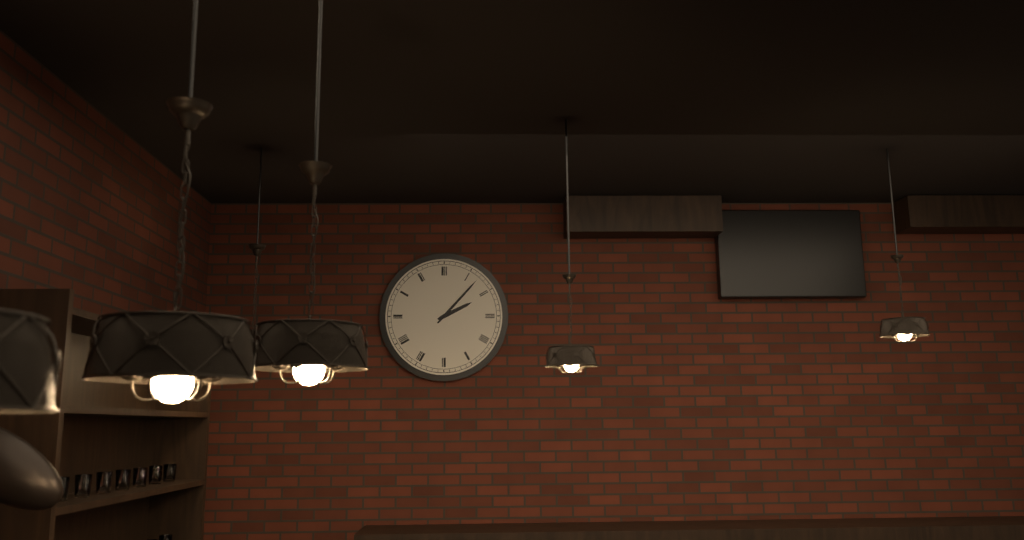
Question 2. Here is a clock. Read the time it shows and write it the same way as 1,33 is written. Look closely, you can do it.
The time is 2,07
